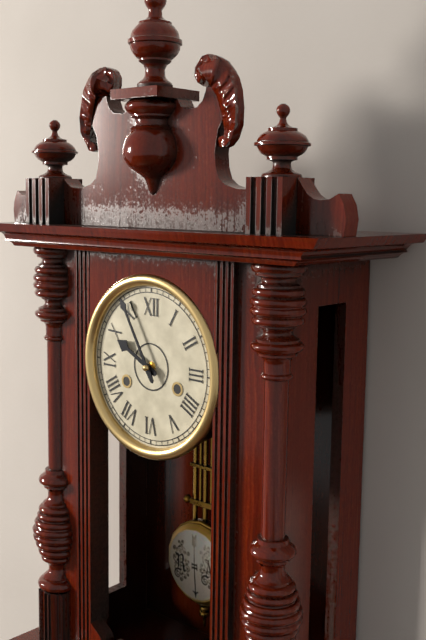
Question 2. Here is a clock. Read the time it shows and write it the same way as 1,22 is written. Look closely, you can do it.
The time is 9,55
